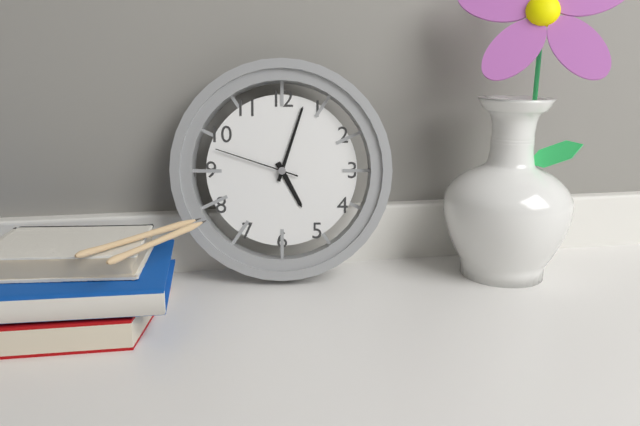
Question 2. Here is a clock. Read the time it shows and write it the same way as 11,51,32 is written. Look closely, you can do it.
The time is 5,03,48
